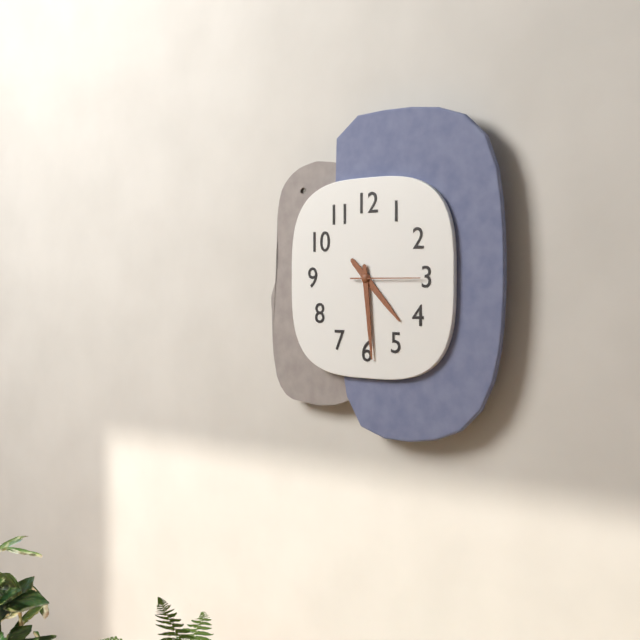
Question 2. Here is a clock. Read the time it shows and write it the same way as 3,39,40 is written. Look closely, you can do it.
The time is 4,29,15
